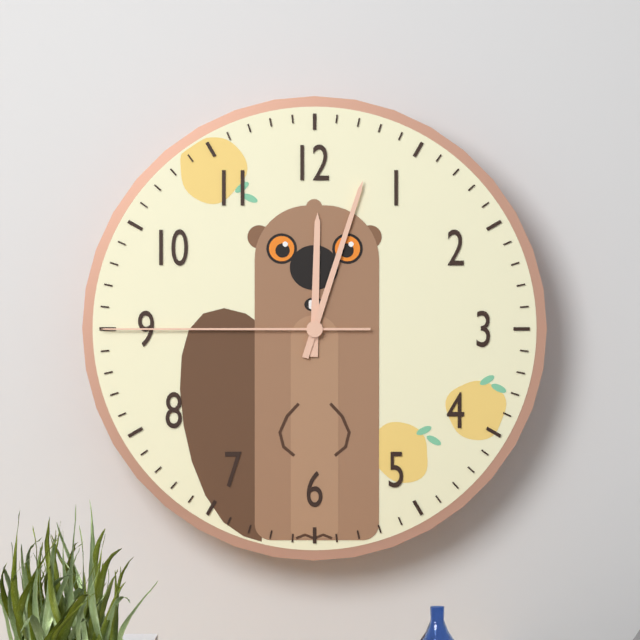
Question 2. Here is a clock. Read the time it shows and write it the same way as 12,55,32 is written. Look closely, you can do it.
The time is 12,03,45
